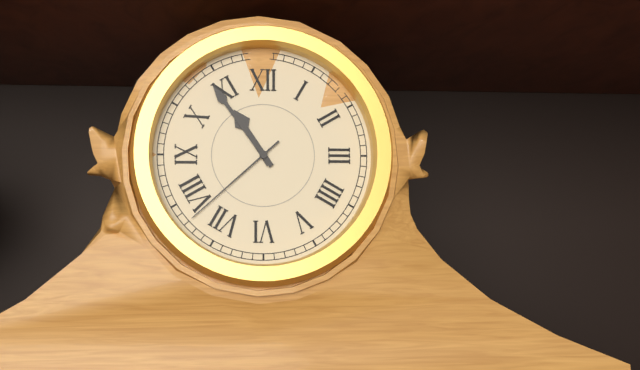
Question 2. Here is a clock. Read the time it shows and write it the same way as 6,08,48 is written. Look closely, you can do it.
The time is 10,54,38
